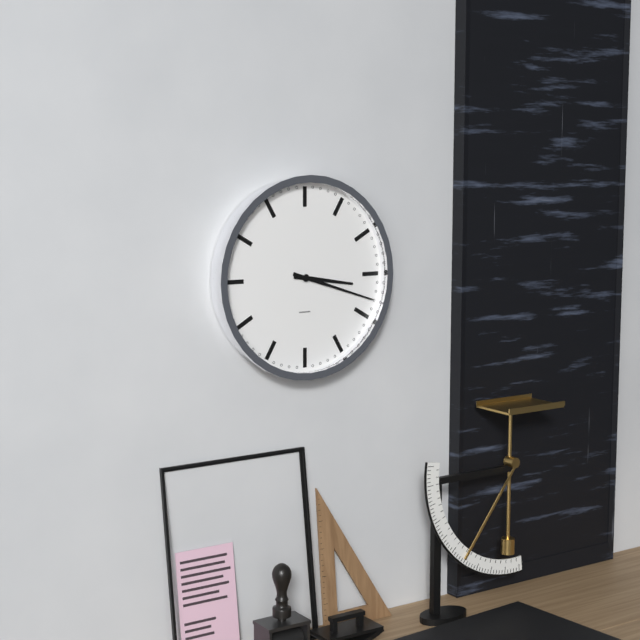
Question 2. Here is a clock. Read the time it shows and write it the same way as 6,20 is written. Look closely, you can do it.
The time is 3,18
